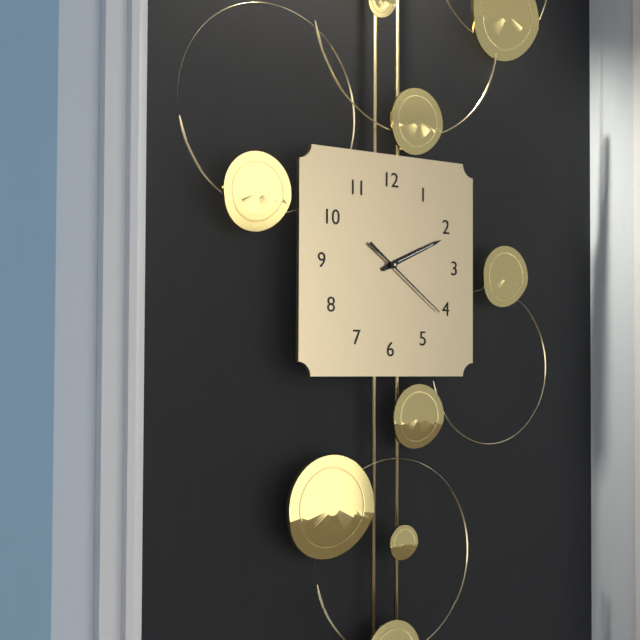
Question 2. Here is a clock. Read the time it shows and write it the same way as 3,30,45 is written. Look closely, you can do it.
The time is 2,11,21
